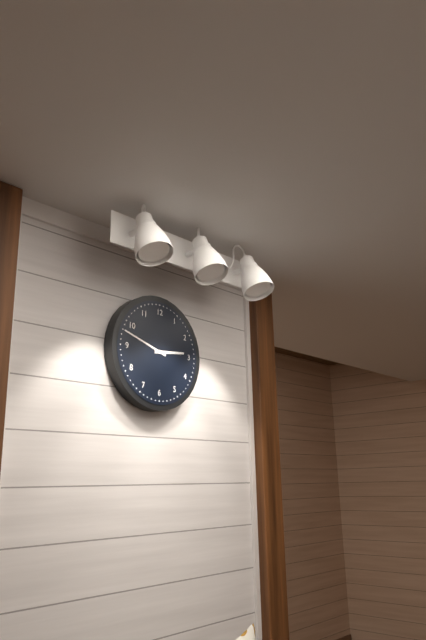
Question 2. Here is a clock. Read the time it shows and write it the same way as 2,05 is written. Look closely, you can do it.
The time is 2,48
